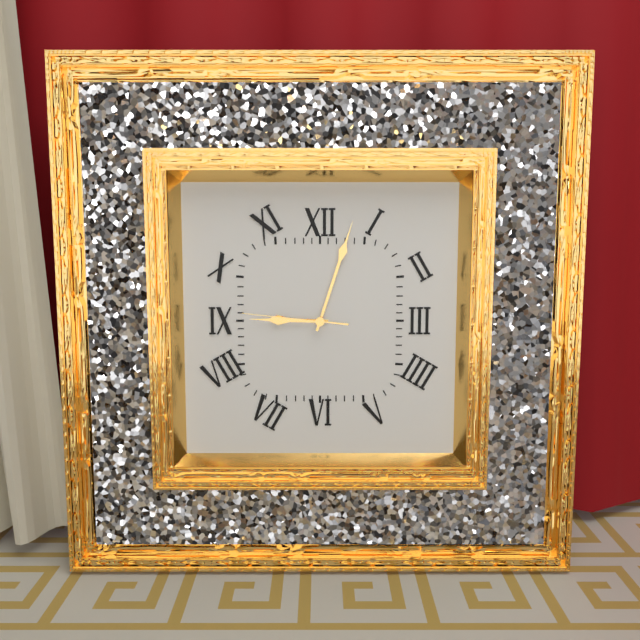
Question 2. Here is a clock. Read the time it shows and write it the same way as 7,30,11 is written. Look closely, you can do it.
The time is 9,03,46
